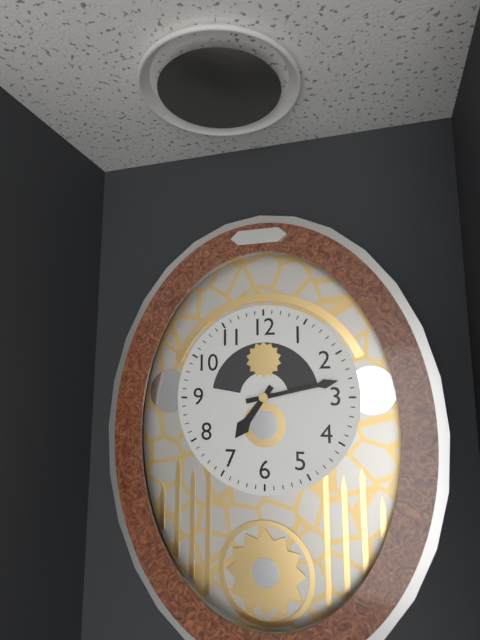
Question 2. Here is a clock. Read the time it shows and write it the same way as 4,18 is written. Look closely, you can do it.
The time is 7,13
